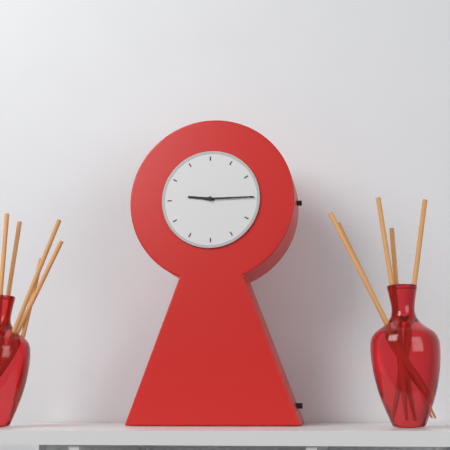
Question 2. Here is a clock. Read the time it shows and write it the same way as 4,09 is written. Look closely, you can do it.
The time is 9,15
